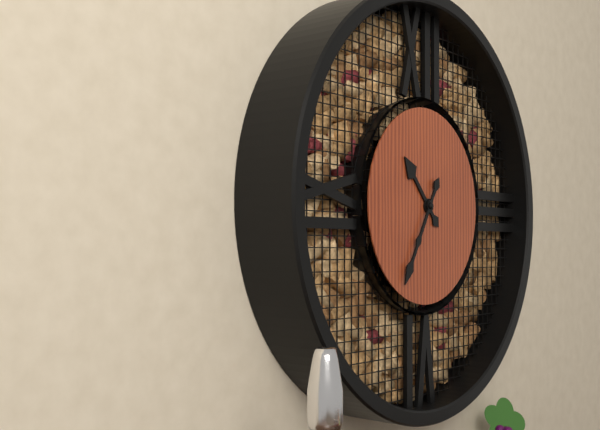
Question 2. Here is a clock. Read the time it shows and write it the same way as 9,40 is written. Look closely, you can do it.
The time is 10,35
